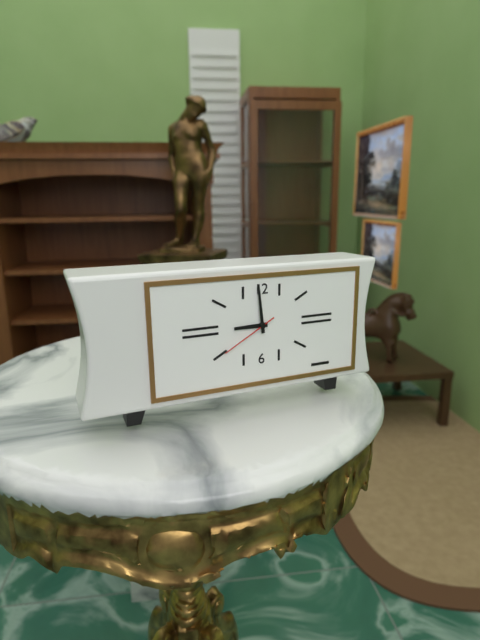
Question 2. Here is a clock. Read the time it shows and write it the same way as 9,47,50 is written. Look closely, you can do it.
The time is 8,59,40
